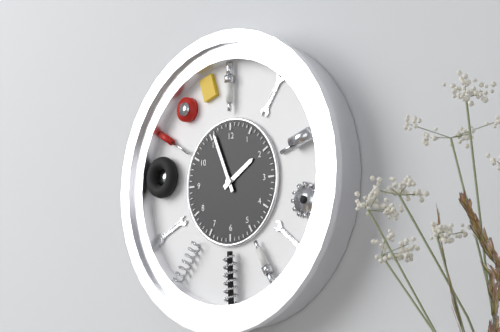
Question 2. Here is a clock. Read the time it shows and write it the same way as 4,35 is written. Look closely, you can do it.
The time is 1,56
